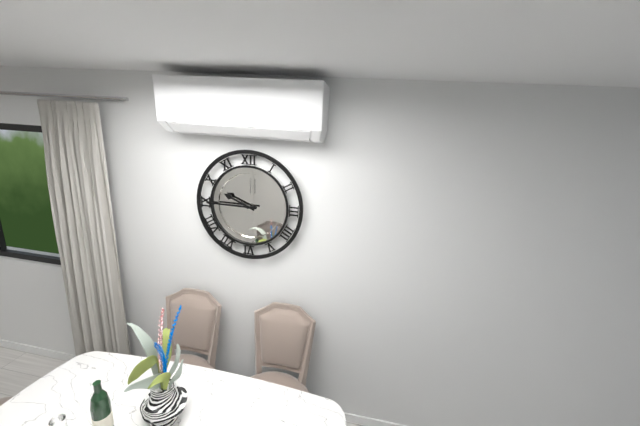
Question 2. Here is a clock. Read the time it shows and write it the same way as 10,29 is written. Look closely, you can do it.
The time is 9,45
